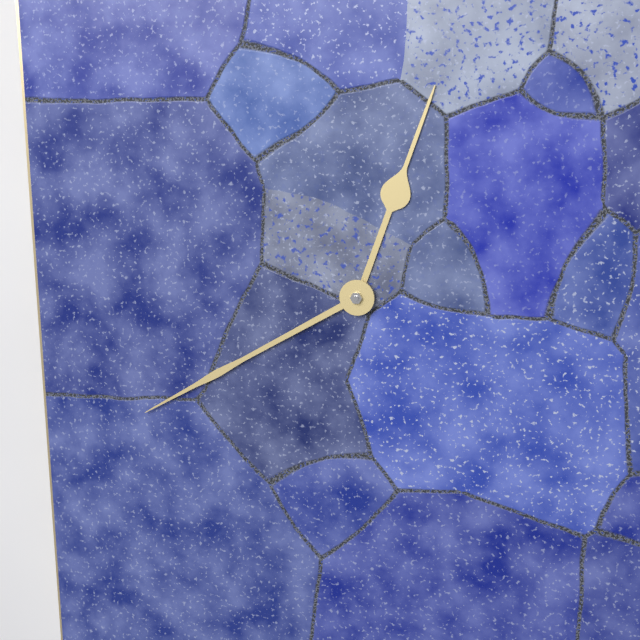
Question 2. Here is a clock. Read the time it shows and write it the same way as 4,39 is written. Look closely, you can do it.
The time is 12,40
